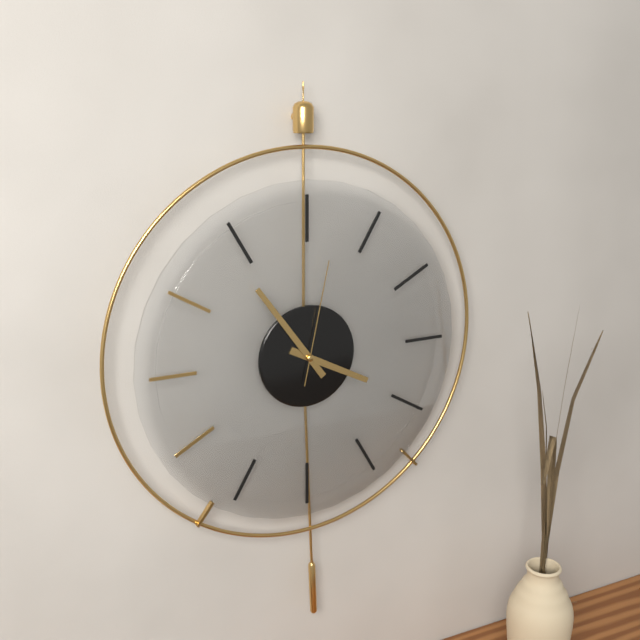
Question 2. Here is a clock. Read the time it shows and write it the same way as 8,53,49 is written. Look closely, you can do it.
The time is 3,54,02
